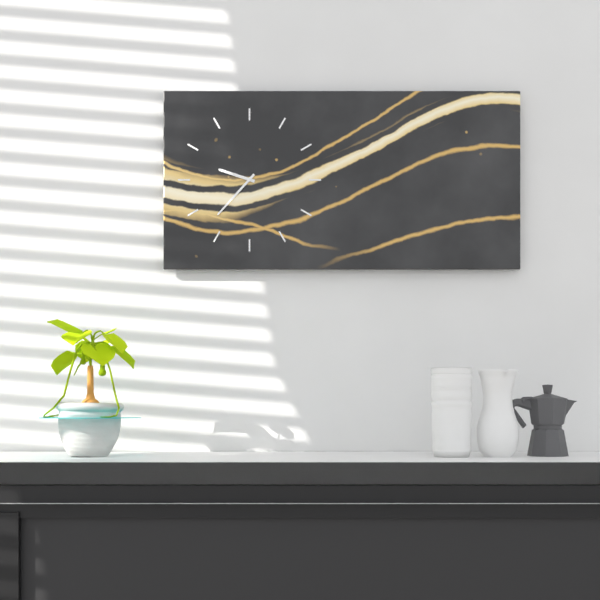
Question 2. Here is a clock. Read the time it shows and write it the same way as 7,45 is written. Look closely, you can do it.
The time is 9,37
